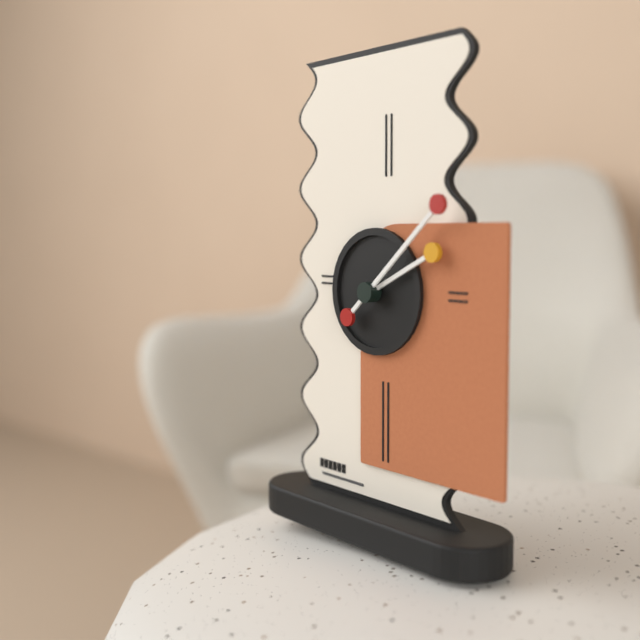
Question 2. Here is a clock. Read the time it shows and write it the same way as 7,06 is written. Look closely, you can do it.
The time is 2,08
